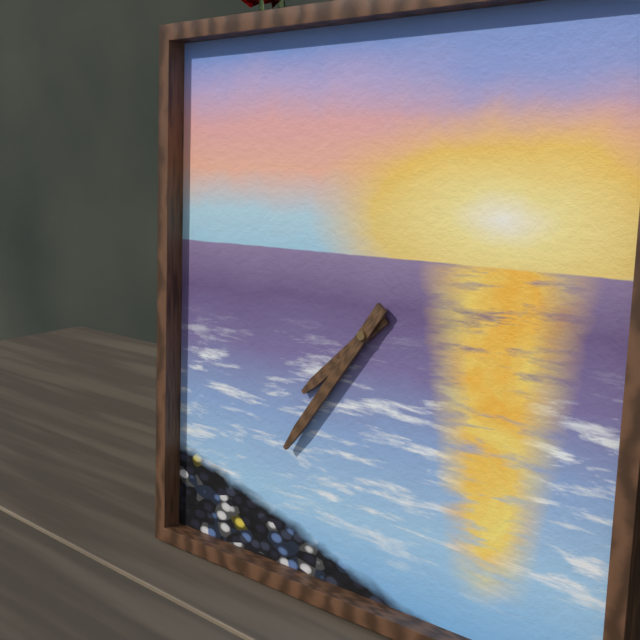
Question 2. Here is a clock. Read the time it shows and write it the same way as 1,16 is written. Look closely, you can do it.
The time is 7,36
